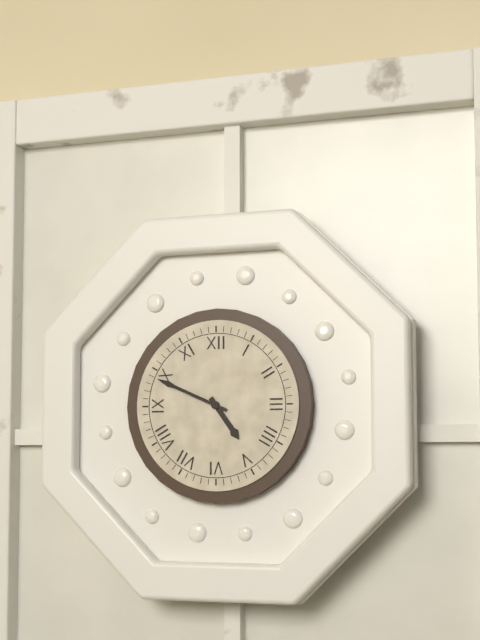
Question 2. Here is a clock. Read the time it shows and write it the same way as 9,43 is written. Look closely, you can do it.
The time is 4,49
